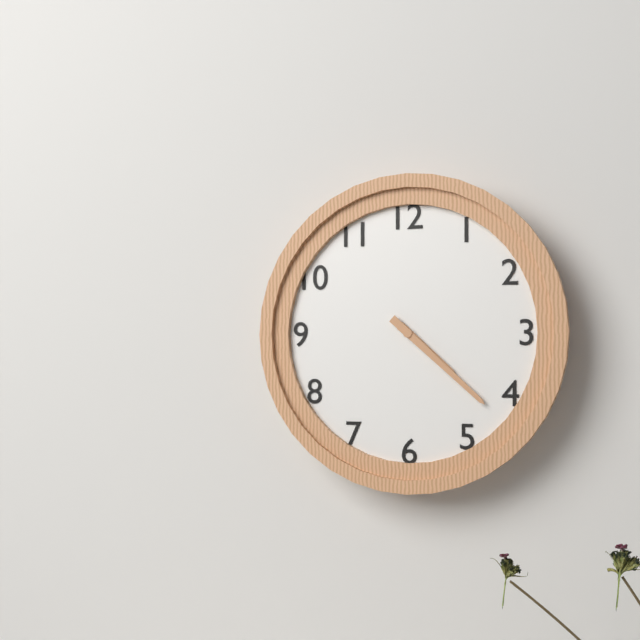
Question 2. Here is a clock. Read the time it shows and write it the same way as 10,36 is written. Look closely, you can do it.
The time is 4,22
